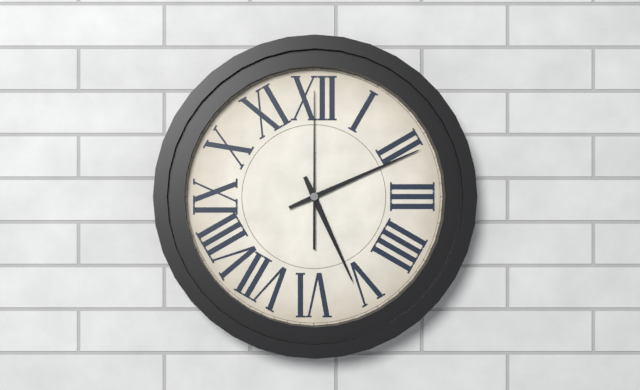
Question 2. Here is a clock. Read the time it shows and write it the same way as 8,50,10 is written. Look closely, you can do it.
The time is 5,11,00
